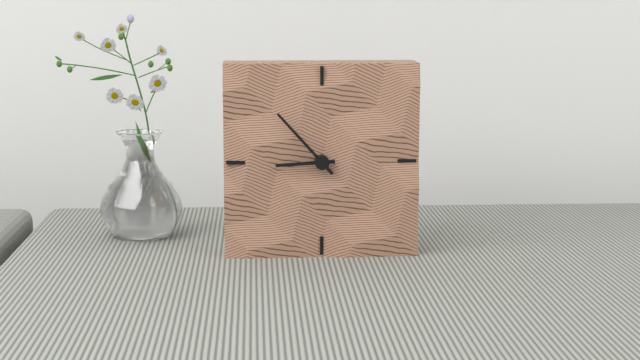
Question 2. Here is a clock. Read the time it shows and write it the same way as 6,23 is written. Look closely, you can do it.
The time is 8,53
